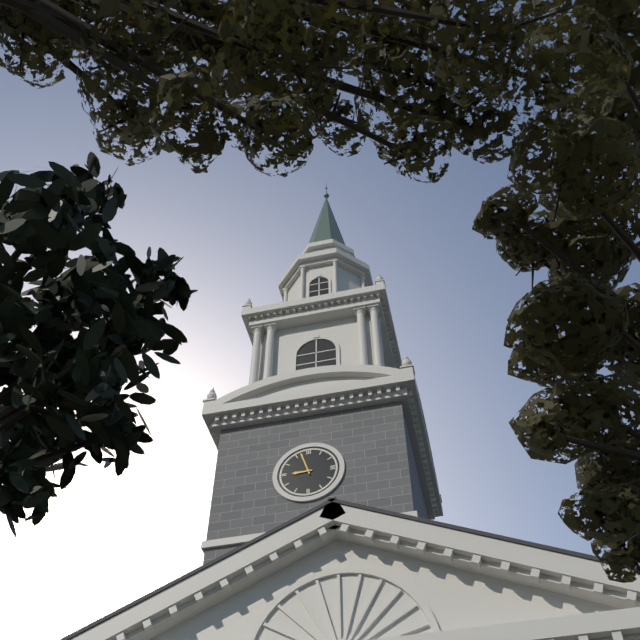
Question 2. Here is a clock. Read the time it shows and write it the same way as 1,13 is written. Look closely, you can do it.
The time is 8,57
